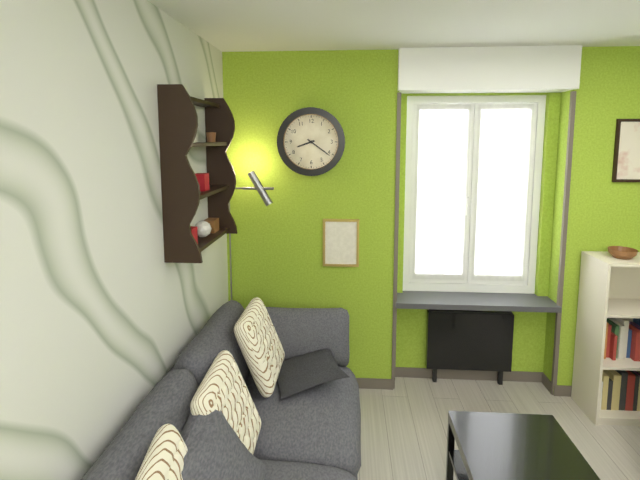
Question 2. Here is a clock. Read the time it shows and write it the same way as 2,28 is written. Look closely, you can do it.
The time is 8,21
